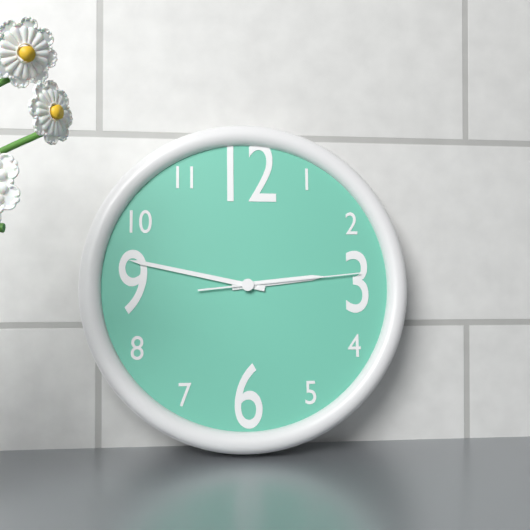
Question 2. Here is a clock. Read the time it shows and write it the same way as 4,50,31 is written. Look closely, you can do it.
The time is 2,47,14
